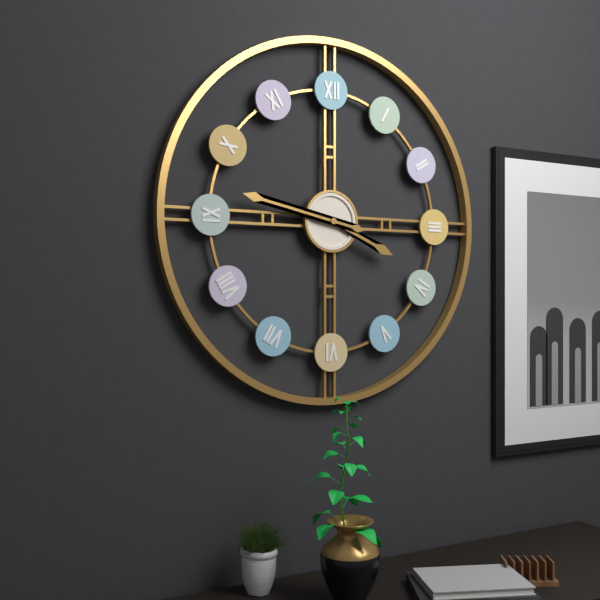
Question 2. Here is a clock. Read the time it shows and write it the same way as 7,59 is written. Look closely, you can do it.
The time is 3,47
